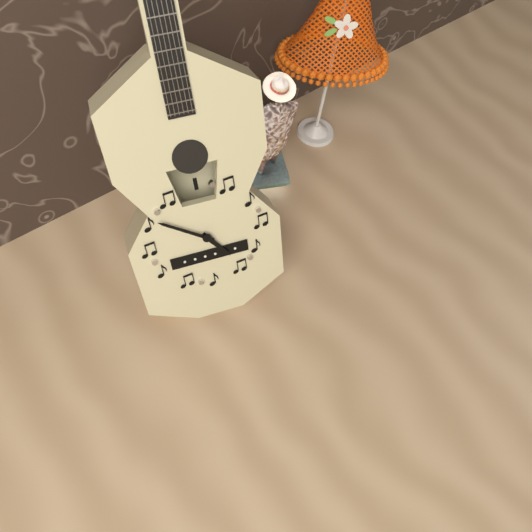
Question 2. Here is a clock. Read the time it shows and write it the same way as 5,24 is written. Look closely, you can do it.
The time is 4,51
